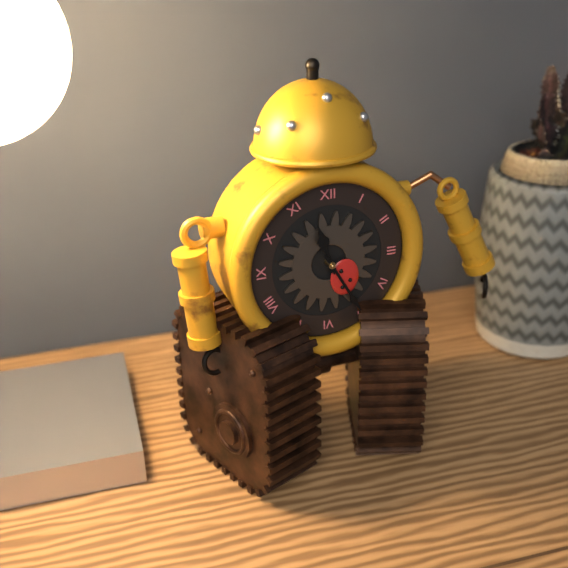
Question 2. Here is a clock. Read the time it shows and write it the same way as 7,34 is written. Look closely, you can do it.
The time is 11,25
